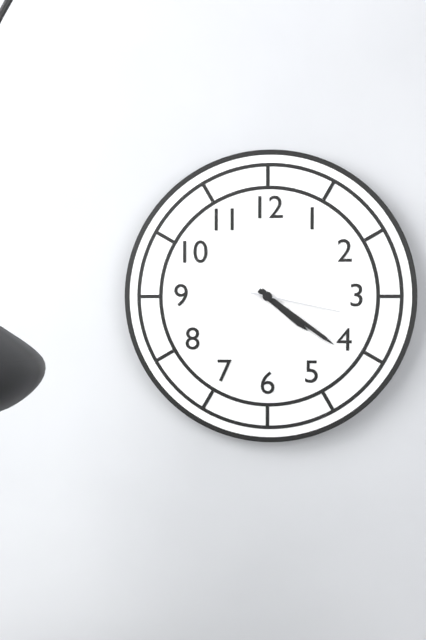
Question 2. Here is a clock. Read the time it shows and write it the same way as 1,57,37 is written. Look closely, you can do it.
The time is 4,21,17
